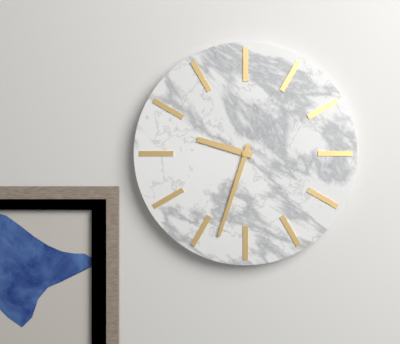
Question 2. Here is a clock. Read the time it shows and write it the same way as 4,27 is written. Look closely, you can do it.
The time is 9,33
